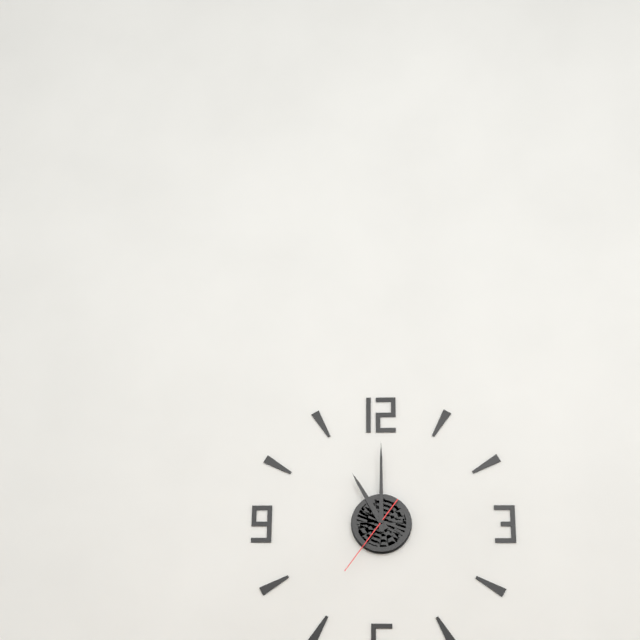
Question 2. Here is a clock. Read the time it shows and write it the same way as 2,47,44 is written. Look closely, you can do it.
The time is 11,00,36
